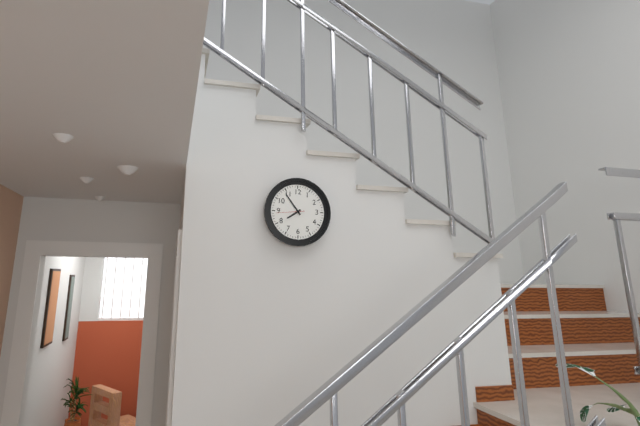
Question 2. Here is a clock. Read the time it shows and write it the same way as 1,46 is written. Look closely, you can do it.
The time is 7,54
